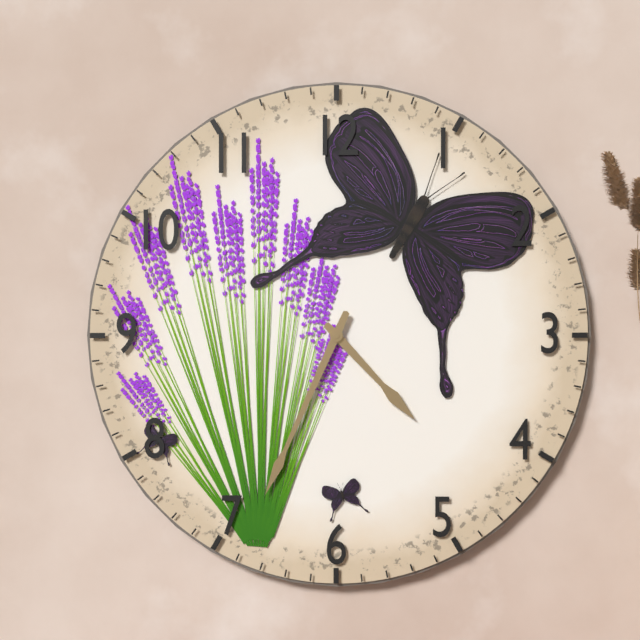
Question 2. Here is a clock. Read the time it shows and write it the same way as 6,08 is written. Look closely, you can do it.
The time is 4,34
